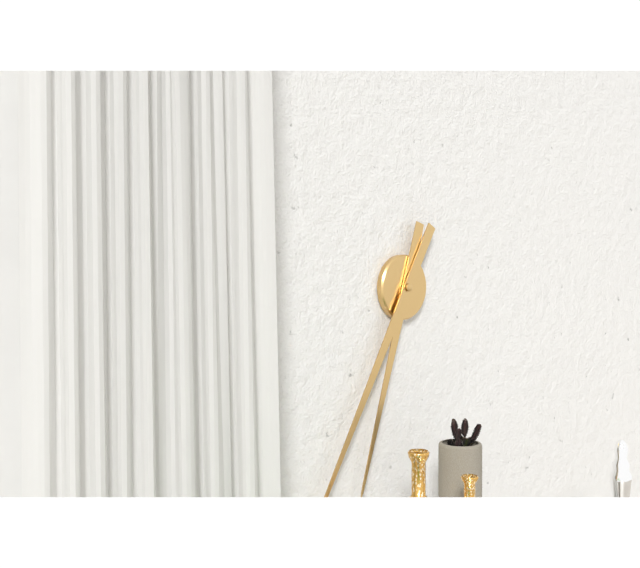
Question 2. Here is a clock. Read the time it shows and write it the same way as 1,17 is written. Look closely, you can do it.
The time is 6,35
